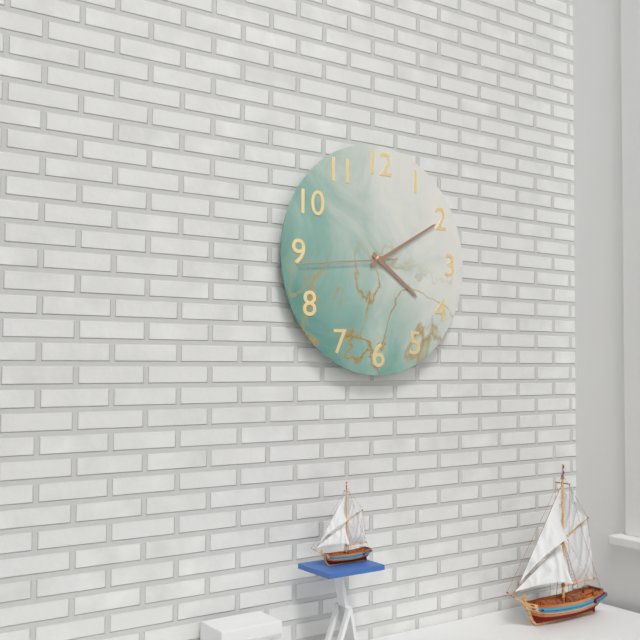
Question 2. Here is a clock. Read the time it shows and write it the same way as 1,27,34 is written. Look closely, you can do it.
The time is 4,10,44
